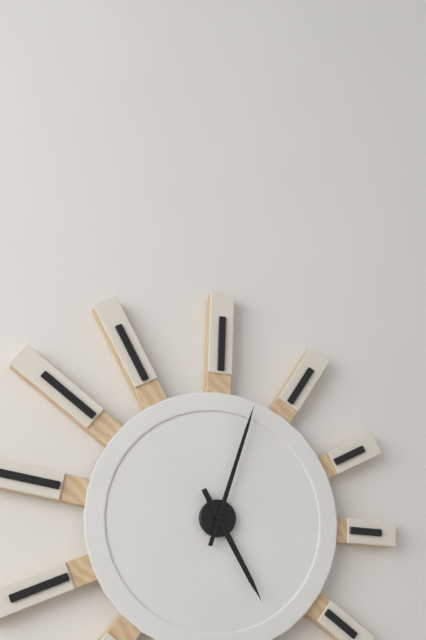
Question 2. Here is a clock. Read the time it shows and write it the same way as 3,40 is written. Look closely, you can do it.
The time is 5,03
